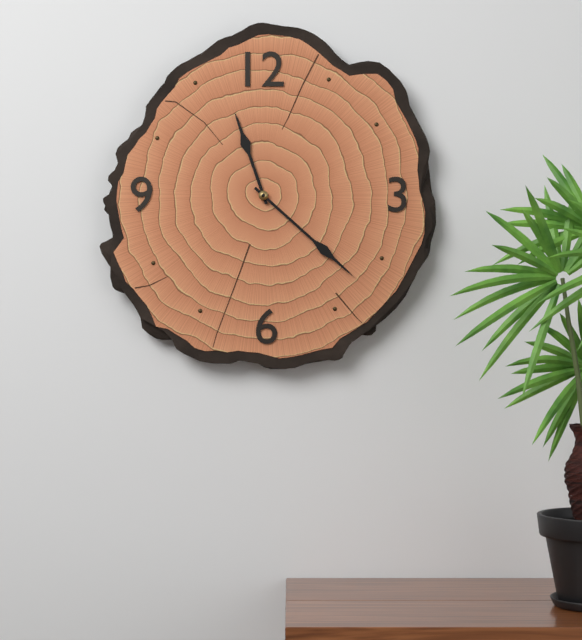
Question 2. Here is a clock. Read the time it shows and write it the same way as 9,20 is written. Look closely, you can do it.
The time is 11,22
